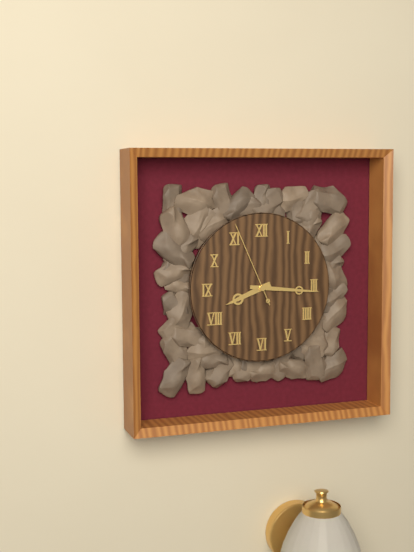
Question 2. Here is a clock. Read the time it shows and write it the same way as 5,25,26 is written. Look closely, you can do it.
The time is 8,16,56
